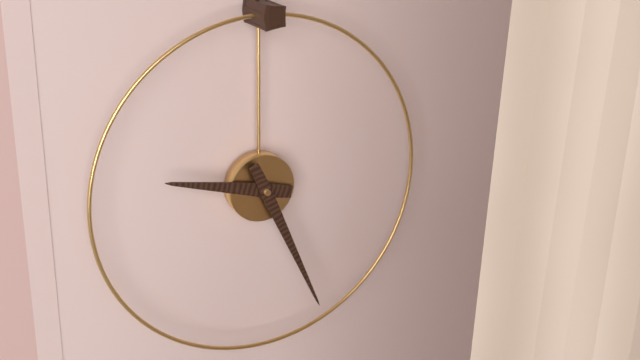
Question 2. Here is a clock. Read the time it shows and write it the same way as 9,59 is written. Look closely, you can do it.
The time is 9,26
